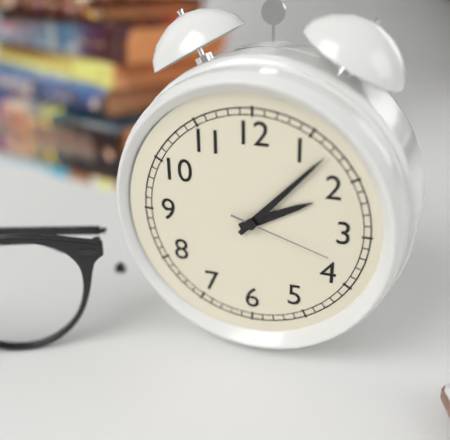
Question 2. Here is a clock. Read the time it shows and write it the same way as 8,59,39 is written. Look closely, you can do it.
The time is 2,07,18
